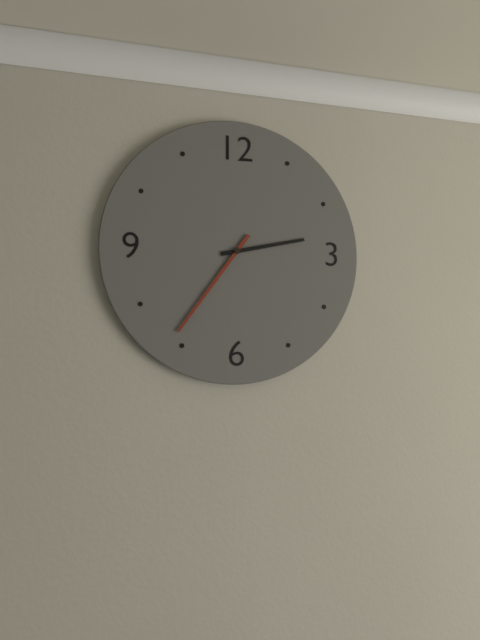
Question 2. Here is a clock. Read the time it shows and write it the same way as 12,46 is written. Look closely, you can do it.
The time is 2,36
